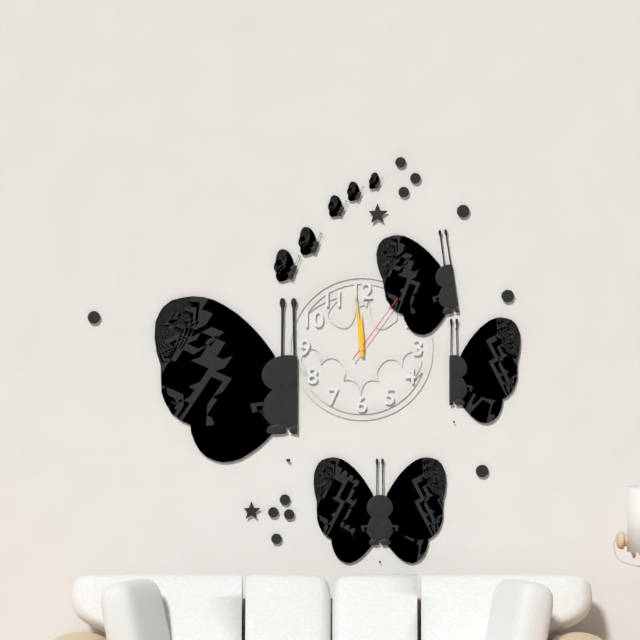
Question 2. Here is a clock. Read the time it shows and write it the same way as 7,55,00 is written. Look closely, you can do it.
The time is 11,59,06
